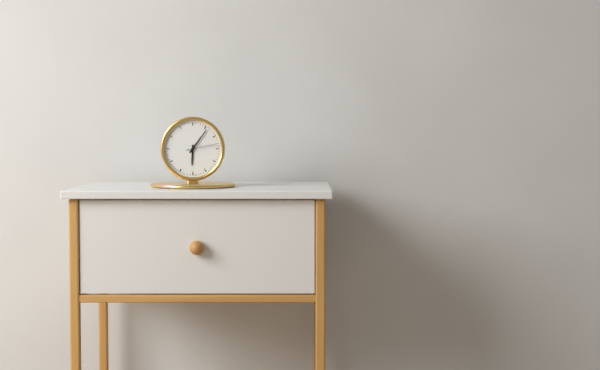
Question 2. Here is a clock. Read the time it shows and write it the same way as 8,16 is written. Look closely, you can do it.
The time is 6,06
